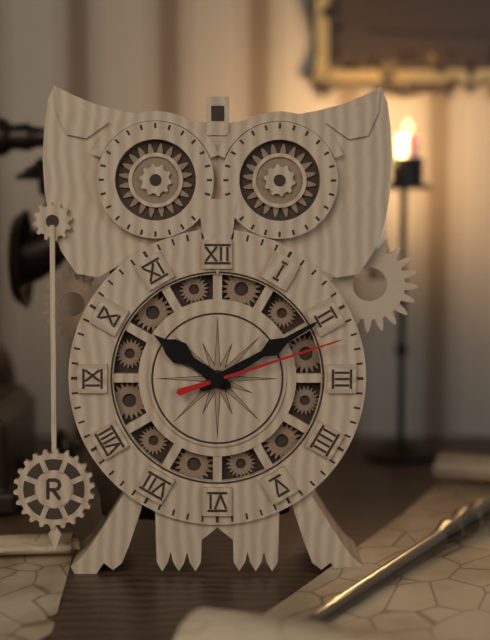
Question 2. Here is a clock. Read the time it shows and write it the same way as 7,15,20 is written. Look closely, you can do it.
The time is 10,10,12
